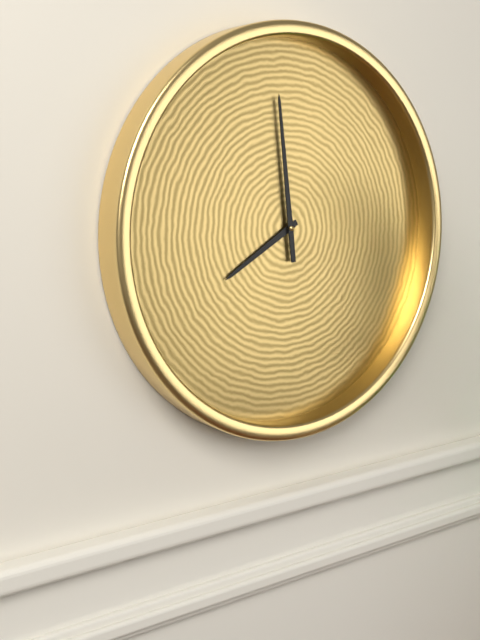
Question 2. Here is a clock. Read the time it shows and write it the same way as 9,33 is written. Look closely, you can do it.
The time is 7,59
